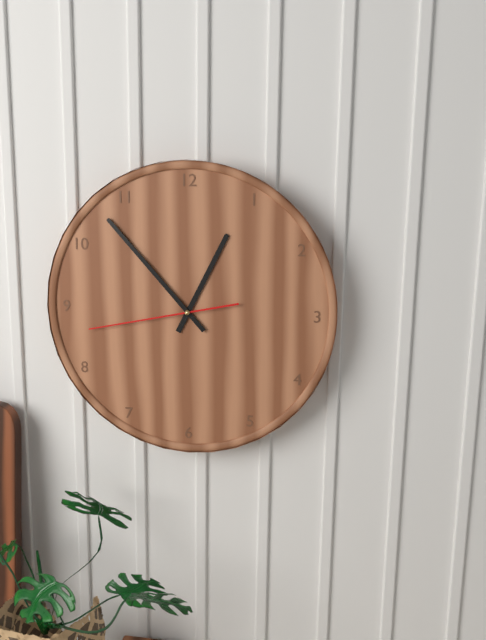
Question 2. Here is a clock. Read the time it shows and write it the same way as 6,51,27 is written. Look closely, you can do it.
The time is 12,53,43
